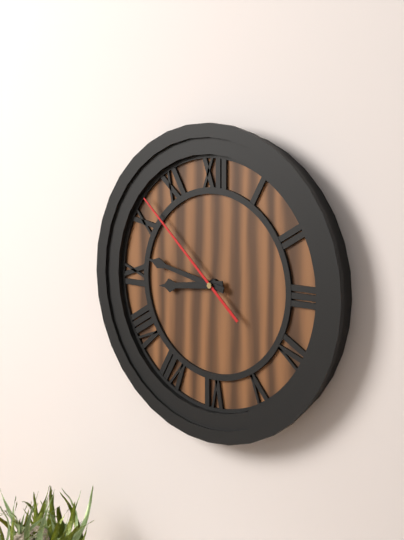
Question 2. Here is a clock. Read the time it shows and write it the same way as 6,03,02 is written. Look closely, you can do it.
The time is 8,47,52
